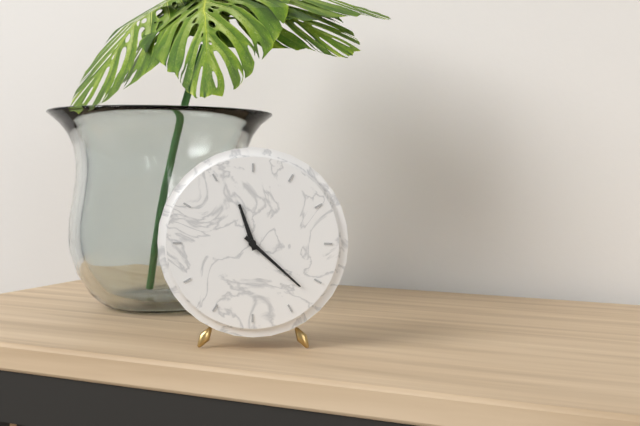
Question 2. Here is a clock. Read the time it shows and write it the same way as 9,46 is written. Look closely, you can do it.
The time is 11,22
